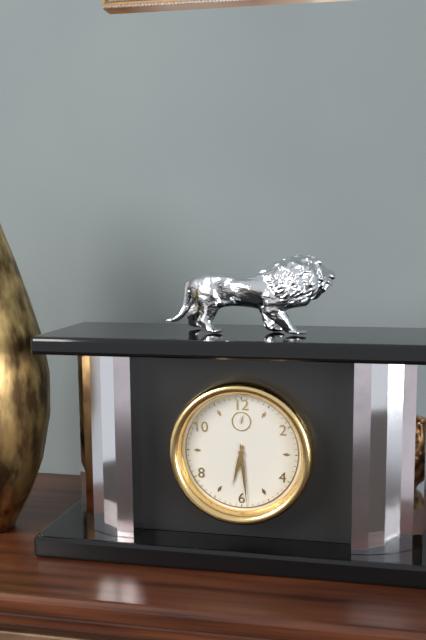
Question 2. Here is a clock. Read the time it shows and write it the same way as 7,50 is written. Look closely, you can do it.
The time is 6,29
